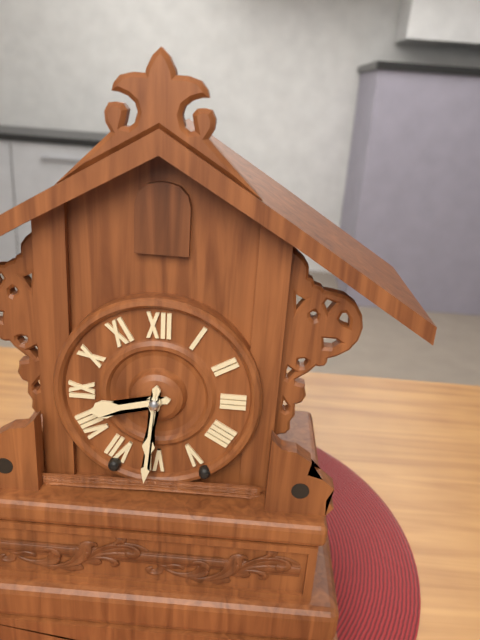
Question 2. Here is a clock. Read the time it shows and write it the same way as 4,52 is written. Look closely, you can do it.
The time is 8,31
